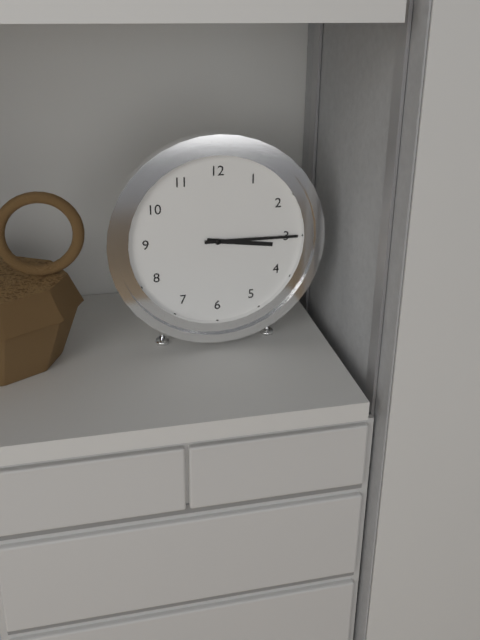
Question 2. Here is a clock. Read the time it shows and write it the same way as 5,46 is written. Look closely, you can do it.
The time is 3,15
